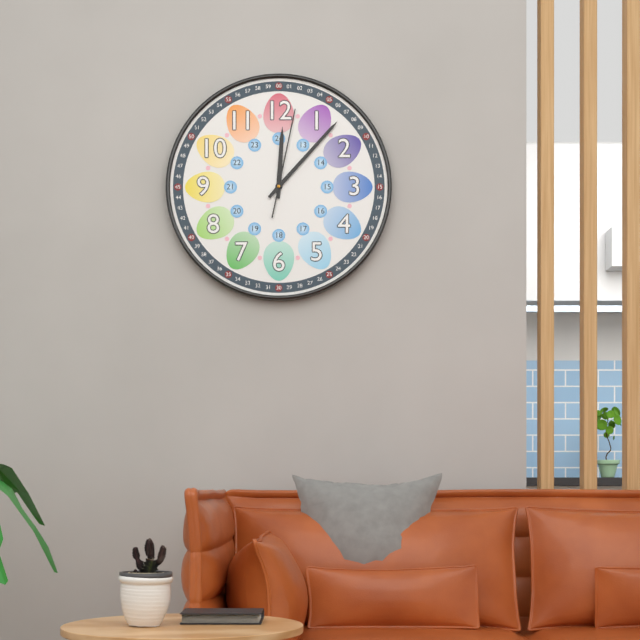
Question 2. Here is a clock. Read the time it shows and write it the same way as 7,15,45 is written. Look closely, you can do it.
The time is 12,07,02
